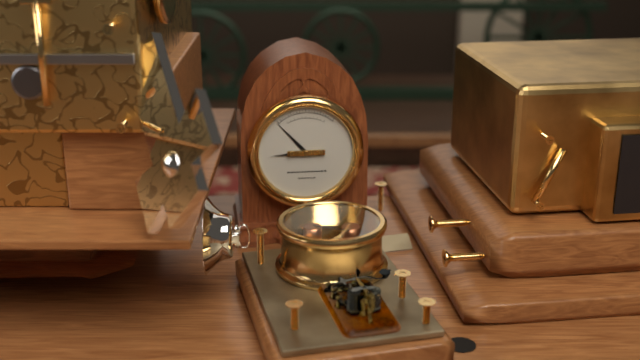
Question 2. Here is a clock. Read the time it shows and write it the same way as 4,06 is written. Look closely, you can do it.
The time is 8,53
